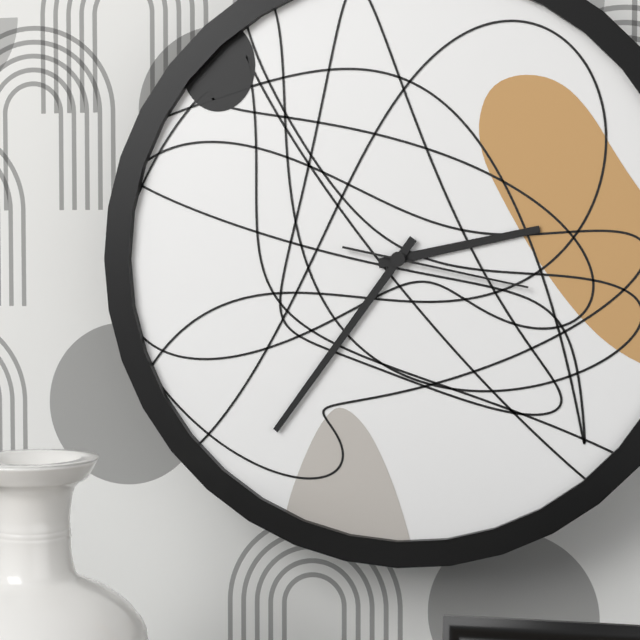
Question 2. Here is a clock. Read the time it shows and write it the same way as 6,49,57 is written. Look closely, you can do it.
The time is 2,36,17
